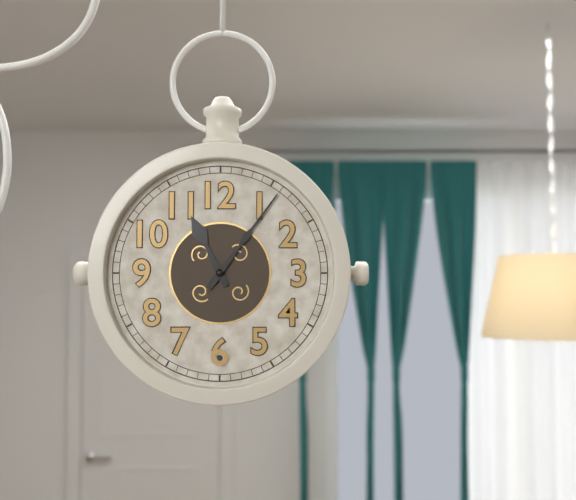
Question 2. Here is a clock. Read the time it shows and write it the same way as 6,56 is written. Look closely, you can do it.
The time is 11,06
